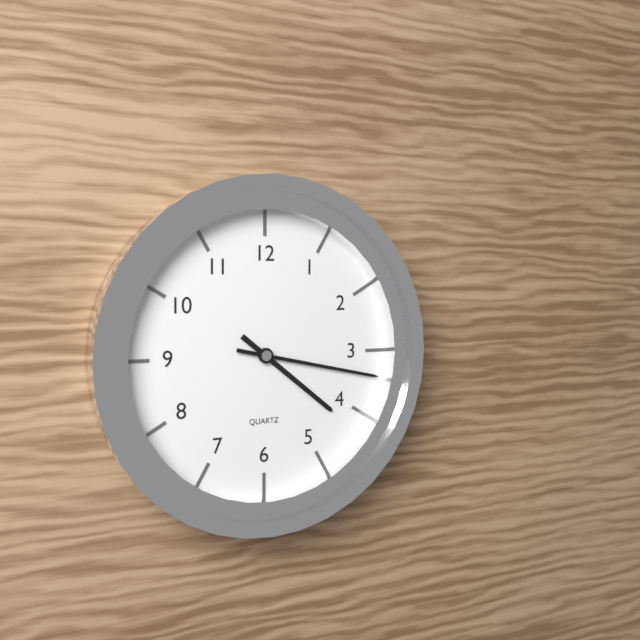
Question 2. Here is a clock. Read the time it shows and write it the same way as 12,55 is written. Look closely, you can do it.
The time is 4,17
